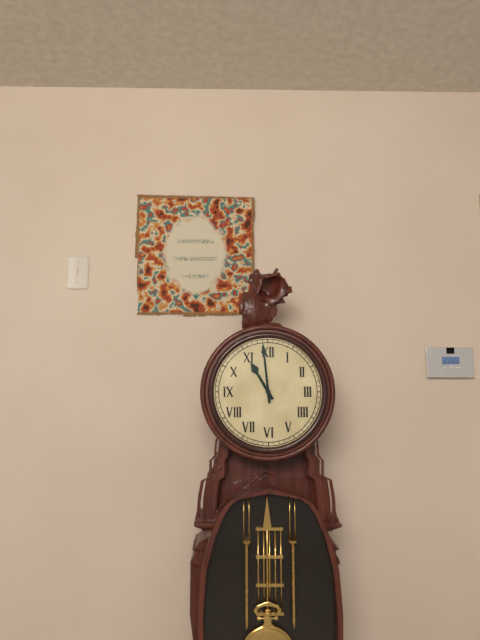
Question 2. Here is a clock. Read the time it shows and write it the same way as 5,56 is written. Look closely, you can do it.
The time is 10,59
